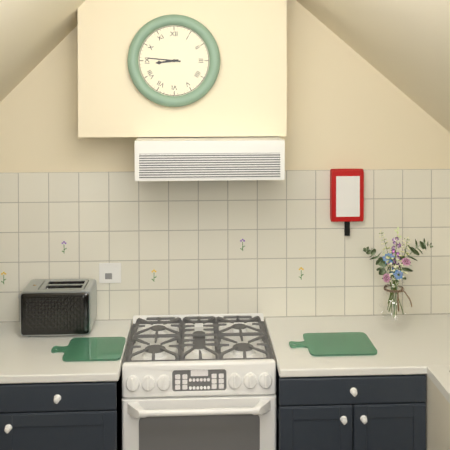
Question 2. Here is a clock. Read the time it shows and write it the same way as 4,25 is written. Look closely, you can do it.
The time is 8,46
